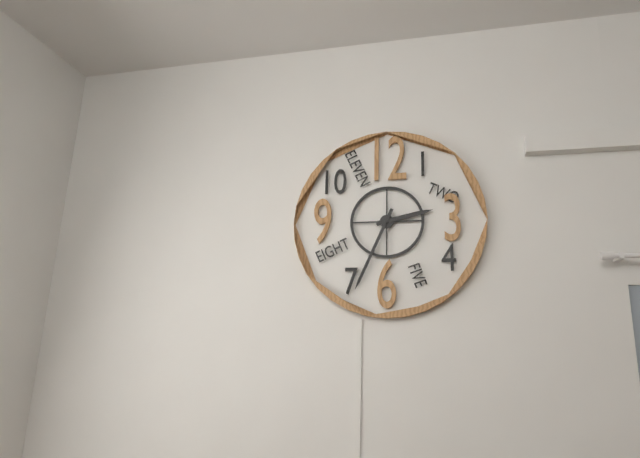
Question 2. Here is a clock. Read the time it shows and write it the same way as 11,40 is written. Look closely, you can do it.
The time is 2,34
